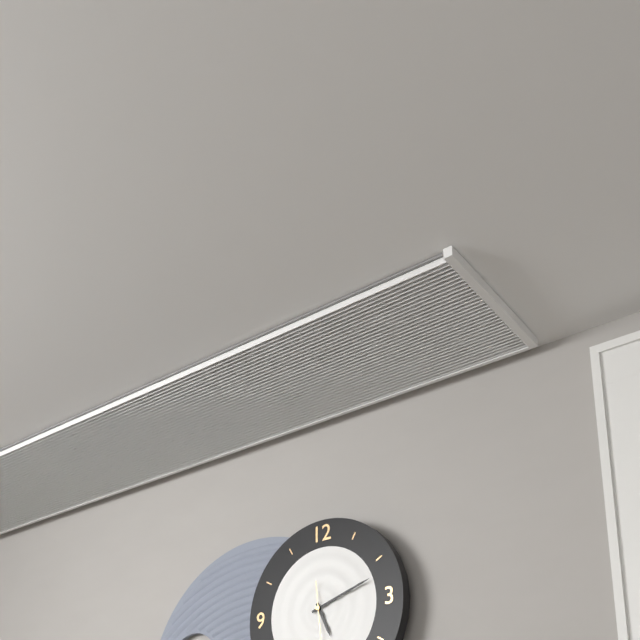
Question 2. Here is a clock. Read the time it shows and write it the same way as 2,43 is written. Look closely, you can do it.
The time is 5,12
